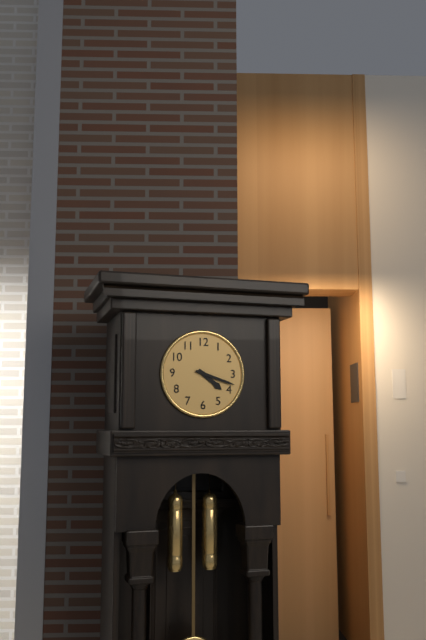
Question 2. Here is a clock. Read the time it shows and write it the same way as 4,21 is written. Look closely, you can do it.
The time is 4,18
